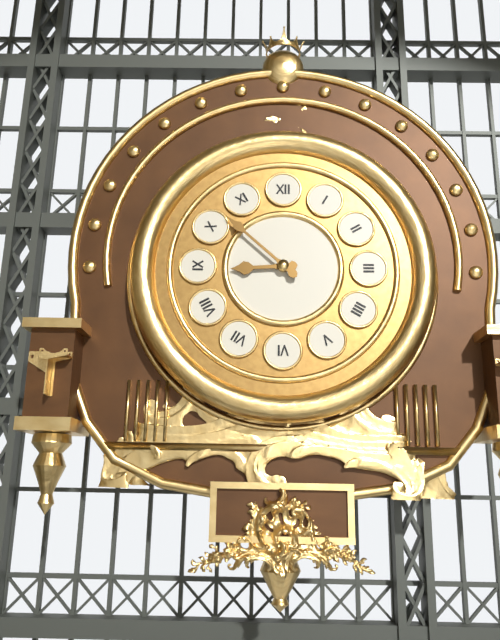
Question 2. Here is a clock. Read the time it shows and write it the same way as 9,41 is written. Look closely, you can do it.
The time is 8,52
